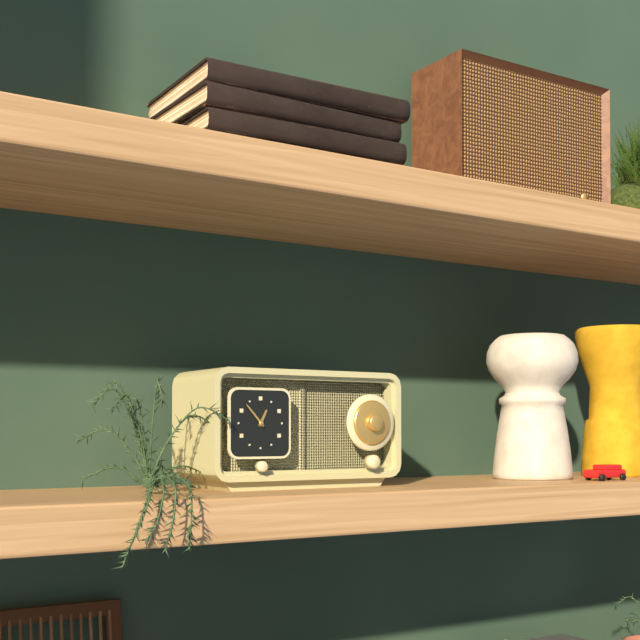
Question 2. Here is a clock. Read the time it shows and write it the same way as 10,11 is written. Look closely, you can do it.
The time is 12,53
